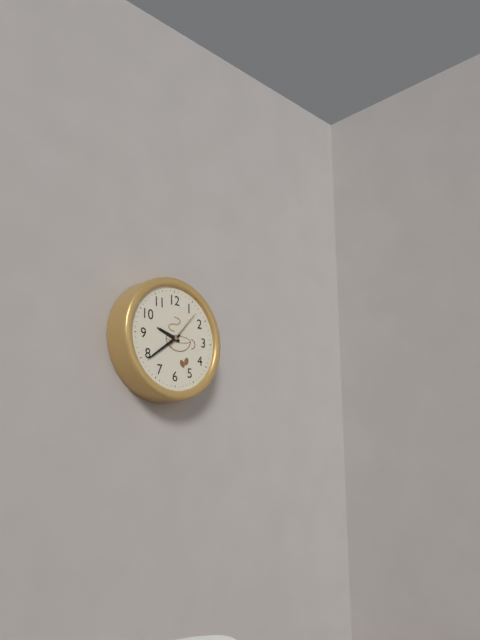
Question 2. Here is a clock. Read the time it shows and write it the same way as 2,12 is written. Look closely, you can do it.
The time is 9,39
